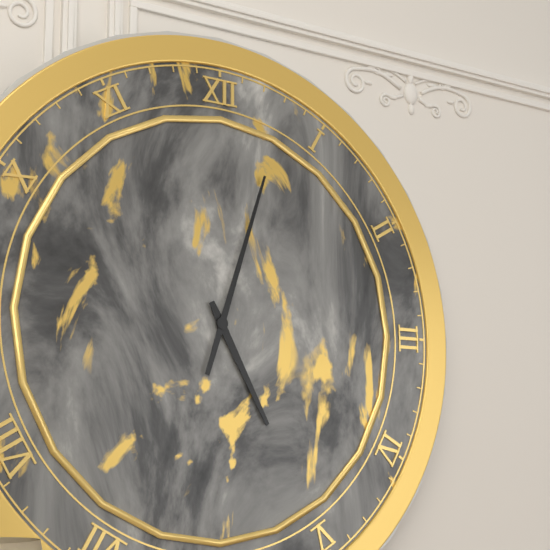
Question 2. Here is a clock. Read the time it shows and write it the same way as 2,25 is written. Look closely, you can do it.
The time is 5,03
